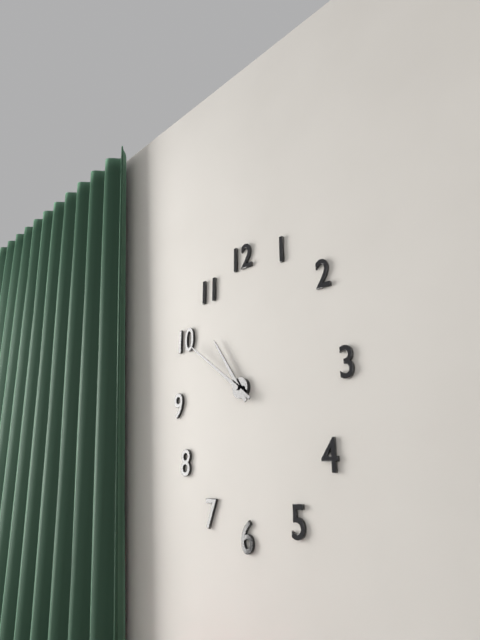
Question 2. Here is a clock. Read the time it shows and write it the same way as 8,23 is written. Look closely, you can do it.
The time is 10,51
